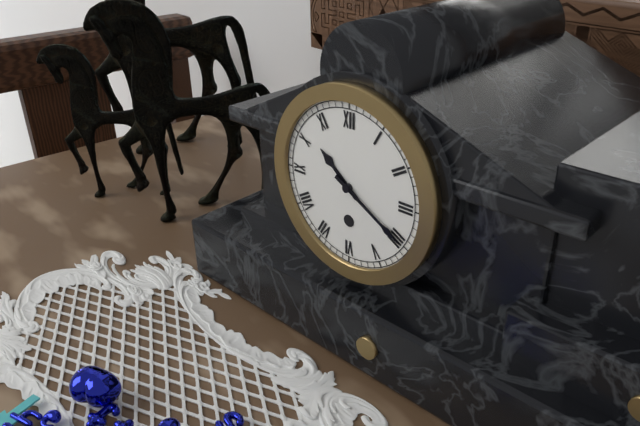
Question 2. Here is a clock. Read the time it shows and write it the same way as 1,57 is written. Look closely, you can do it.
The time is 10,20
